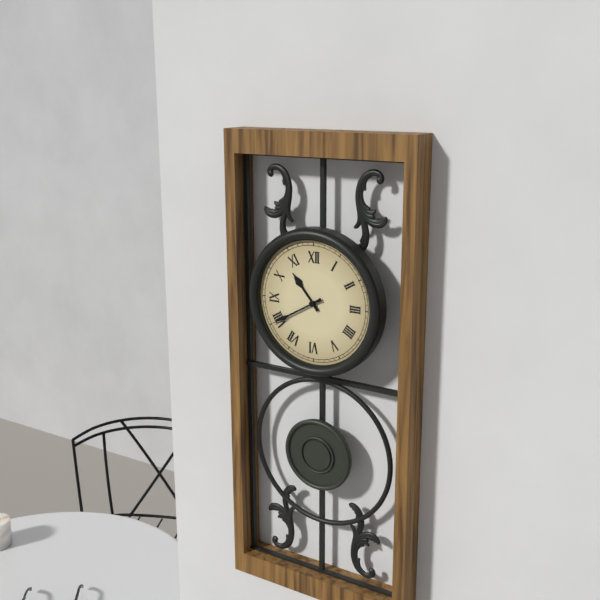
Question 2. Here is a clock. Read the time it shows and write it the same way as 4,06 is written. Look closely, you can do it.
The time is 10,40
